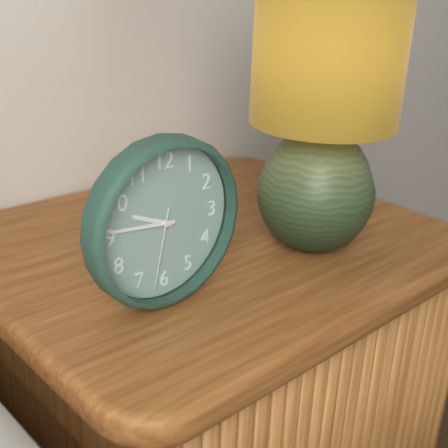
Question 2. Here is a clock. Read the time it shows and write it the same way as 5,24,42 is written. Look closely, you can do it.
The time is 9,46,32
